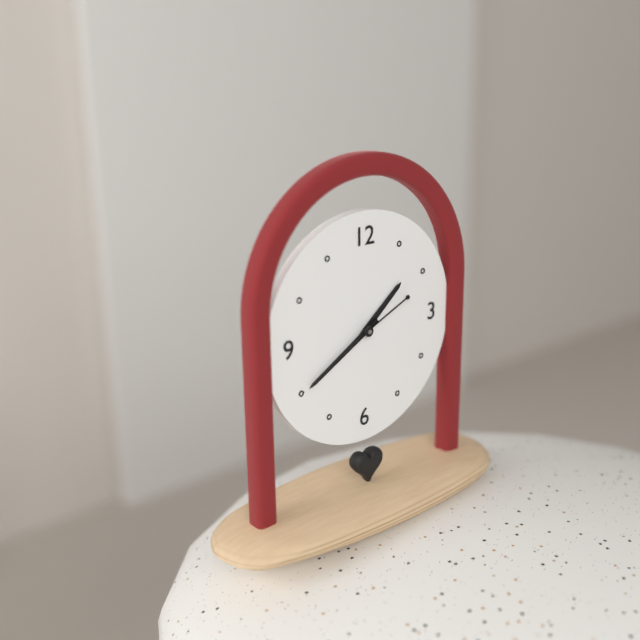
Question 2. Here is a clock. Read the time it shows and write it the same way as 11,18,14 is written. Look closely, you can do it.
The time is 1,40,11
